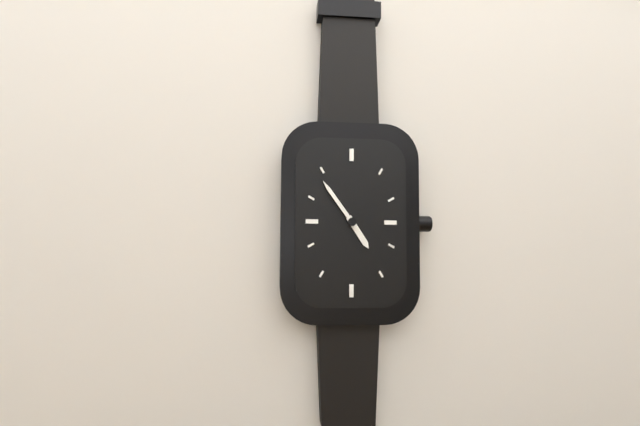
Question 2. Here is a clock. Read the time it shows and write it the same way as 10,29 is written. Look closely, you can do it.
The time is 4,54
